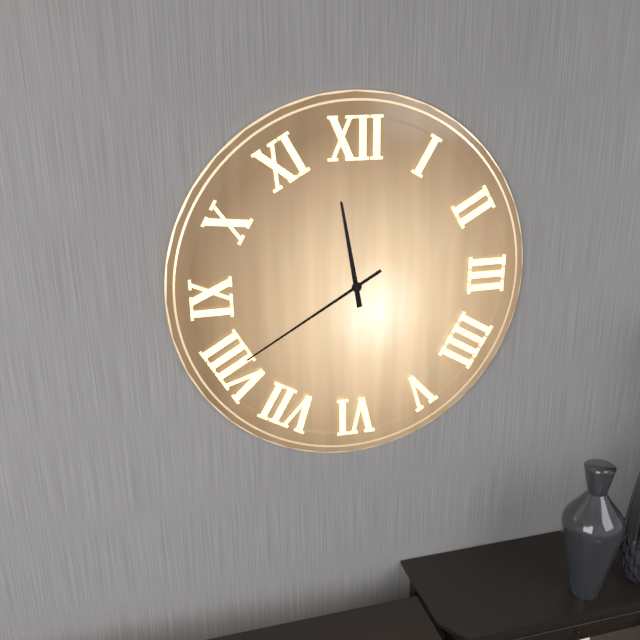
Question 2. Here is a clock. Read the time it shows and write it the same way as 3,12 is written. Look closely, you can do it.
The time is 11,40
